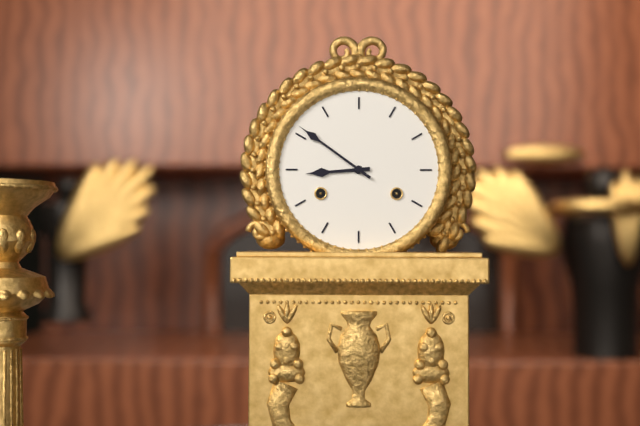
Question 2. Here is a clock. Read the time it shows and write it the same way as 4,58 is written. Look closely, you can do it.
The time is 8,51
